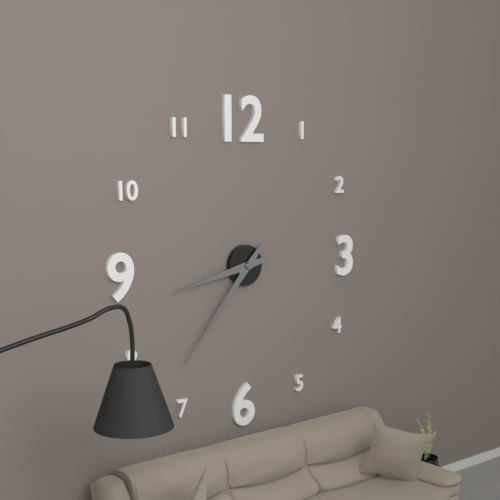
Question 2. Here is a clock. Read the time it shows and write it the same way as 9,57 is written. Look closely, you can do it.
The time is 8,37
